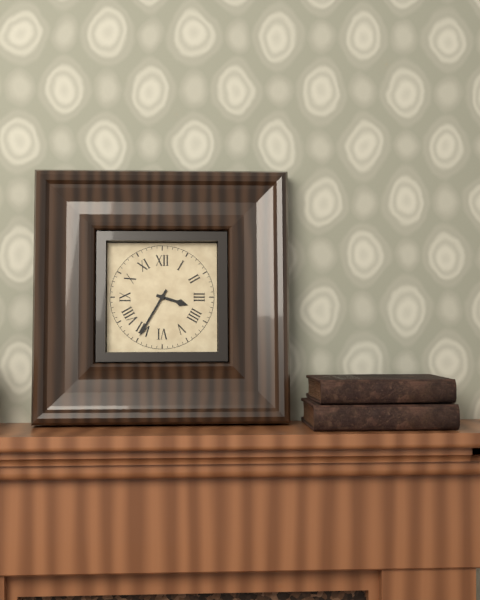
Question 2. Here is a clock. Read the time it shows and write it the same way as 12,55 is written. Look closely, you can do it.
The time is 3,35
